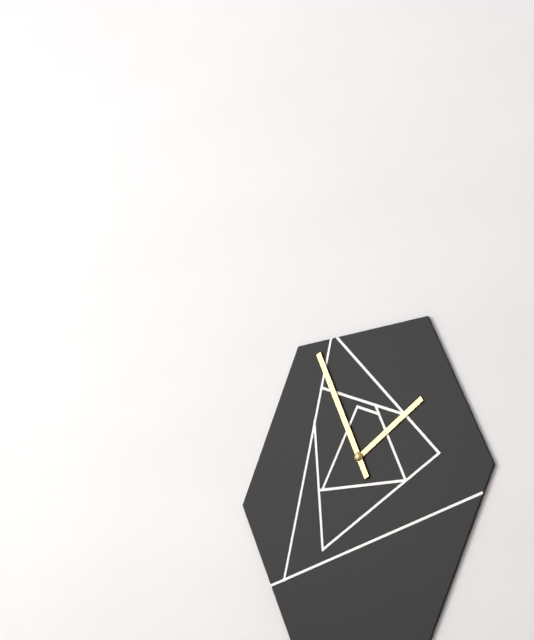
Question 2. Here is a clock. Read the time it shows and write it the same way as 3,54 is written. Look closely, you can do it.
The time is 1,56
